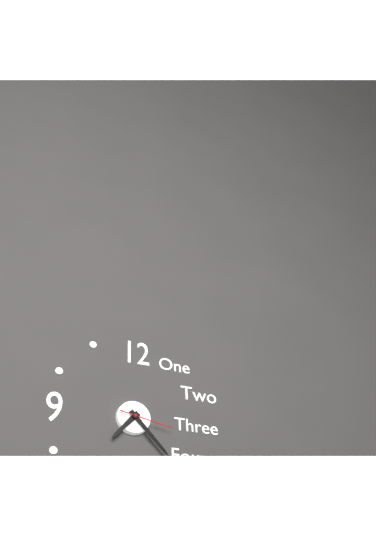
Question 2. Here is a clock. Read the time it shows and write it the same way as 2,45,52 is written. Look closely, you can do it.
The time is 7,23,17
